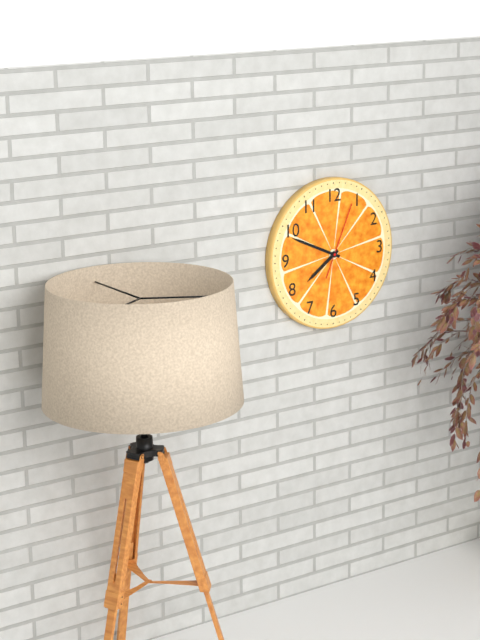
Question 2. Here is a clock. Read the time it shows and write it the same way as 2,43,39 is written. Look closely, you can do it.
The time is 7,49,04
